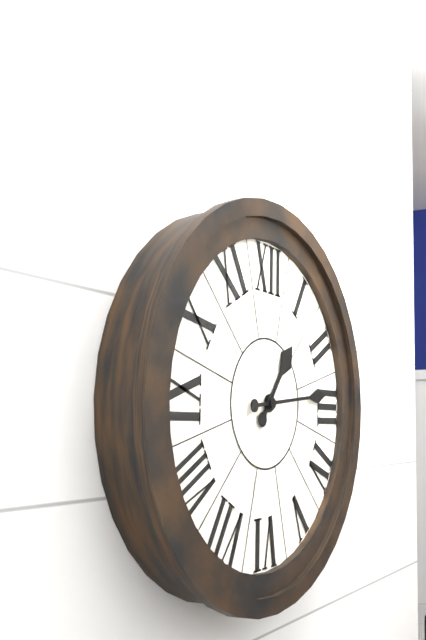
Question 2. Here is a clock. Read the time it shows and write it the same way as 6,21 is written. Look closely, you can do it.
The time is 1,14
